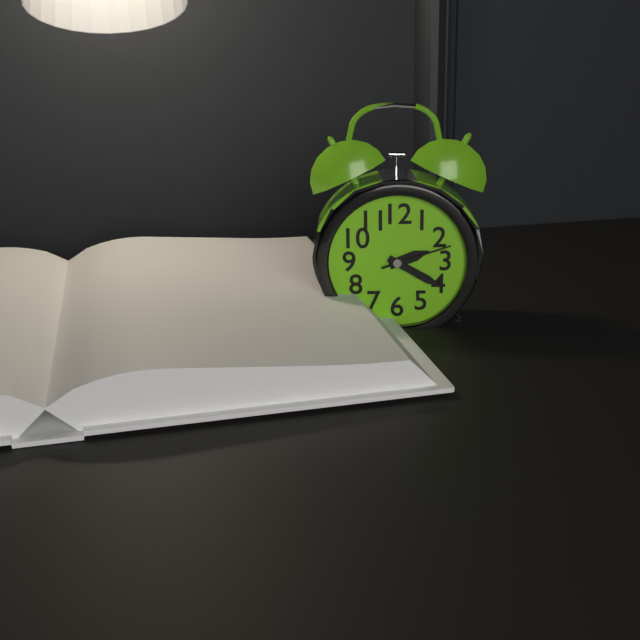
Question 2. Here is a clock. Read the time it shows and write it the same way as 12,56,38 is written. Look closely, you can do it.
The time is 2,20,12
